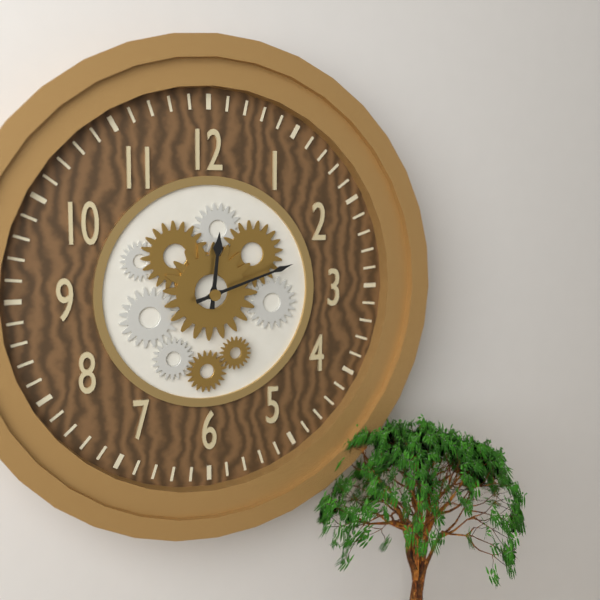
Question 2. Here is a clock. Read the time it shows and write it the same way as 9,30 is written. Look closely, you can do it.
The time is 12,12
